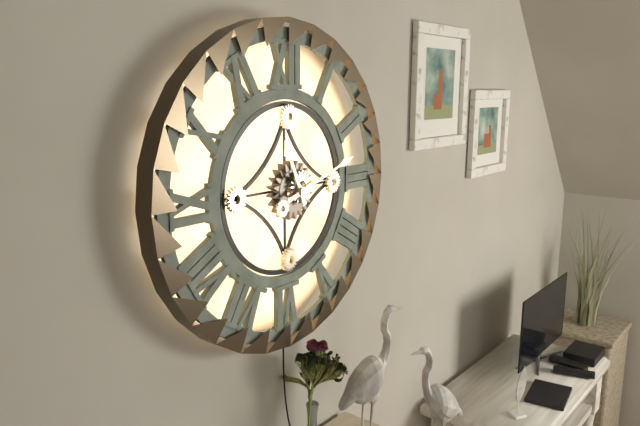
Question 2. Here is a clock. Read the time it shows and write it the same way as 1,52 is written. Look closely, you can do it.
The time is 11,12
